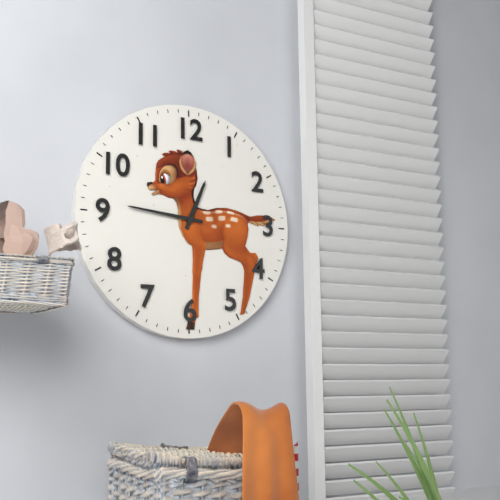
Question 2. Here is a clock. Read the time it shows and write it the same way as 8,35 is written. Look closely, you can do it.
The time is 12,46
